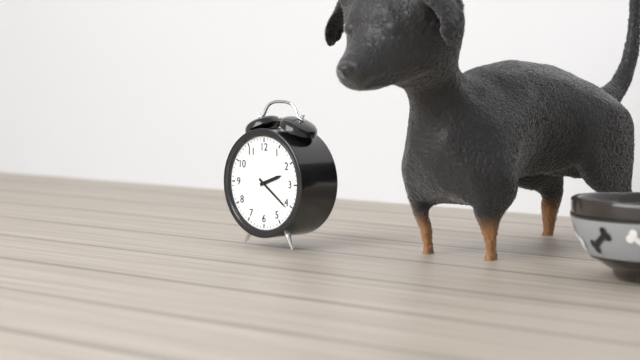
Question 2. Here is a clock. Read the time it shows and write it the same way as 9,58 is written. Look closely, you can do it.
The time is 2,21
